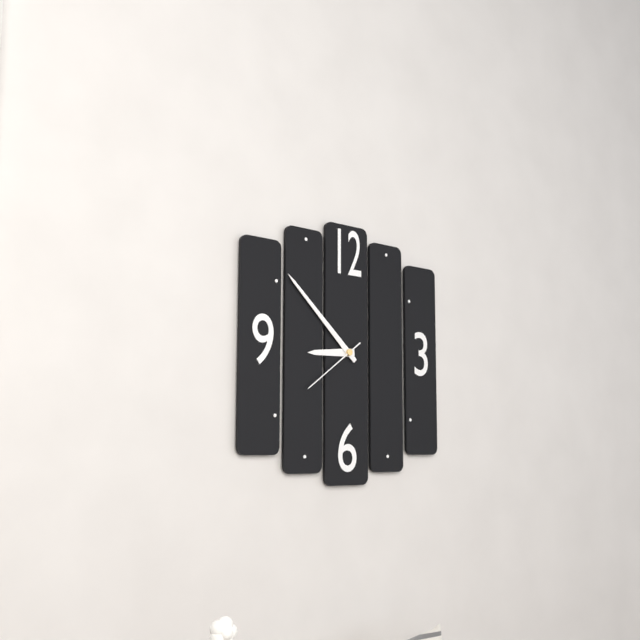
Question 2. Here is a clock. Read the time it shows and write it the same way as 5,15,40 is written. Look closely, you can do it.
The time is 8,52,39
